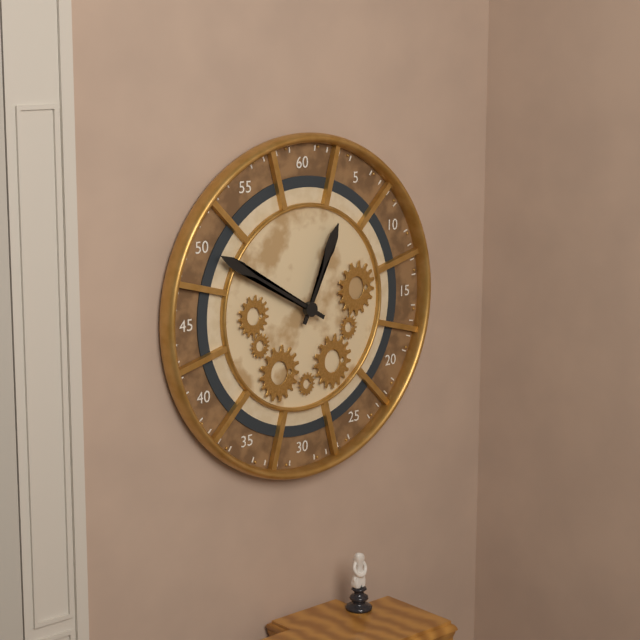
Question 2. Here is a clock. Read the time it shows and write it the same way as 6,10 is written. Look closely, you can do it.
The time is 12,50
